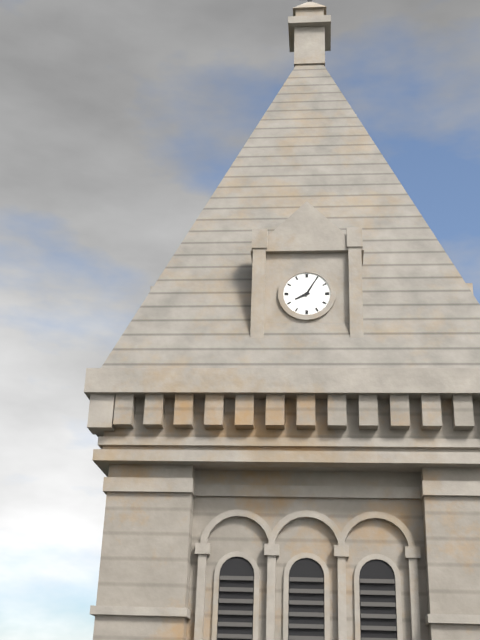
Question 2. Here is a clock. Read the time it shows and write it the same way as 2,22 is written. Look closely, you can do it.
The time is 8,05
